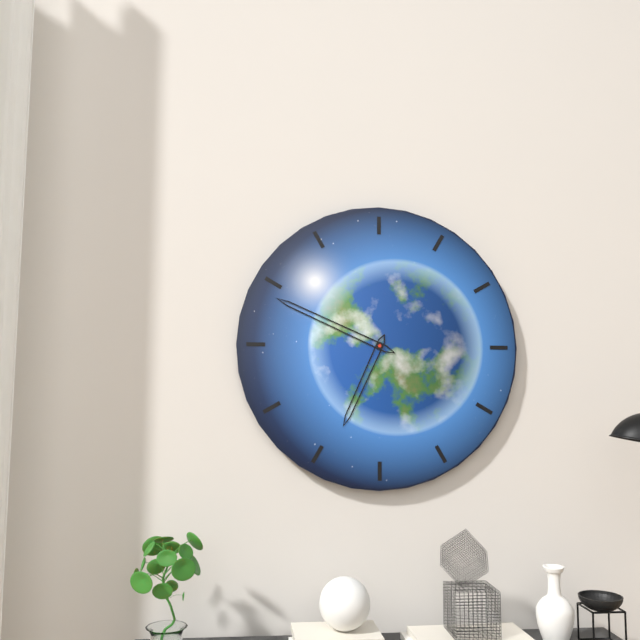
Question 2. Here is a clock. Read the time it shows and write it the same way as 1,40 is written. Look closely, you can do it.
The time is 6,49
